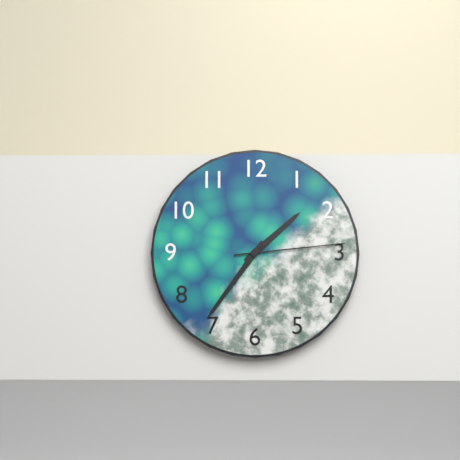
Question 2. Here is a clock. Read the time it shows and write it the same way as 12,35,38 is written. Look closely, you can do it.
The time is 1,36,14
